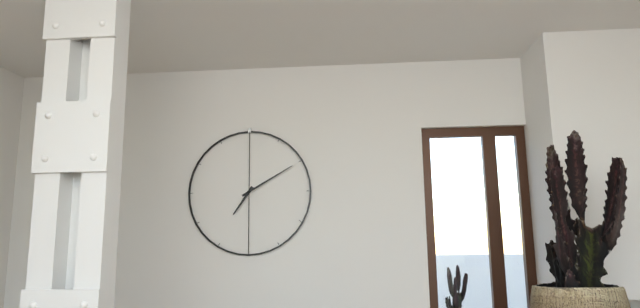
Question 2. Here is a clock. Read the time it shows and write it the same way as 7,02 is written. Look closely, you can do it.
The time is 7,10
